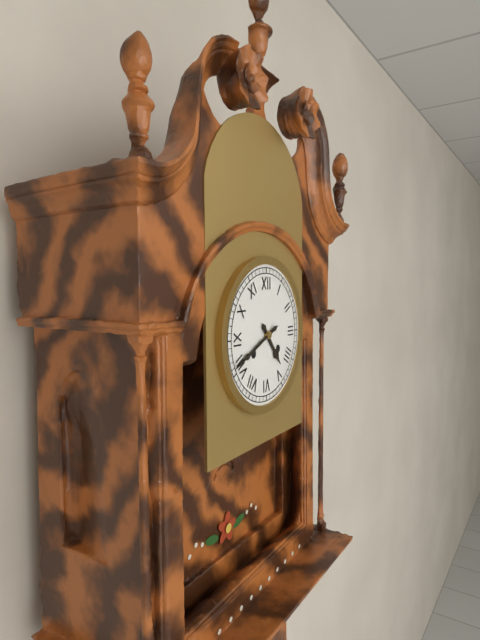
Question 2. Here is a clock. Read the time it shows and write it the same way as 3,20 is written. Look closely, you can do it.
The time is 4,41
